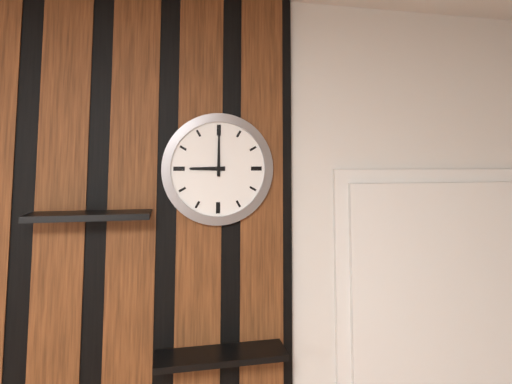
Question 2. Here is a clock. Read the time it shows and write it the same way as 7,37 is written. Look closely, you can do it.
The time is 9,00
